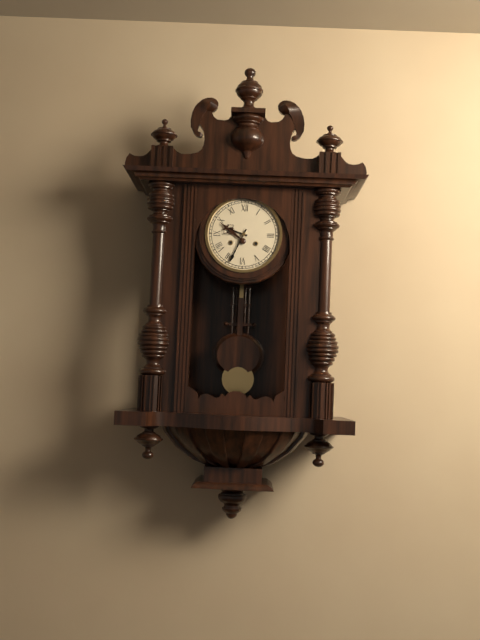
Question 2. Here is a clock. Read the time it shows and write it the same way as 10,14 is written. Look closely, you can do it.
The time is 9,34
